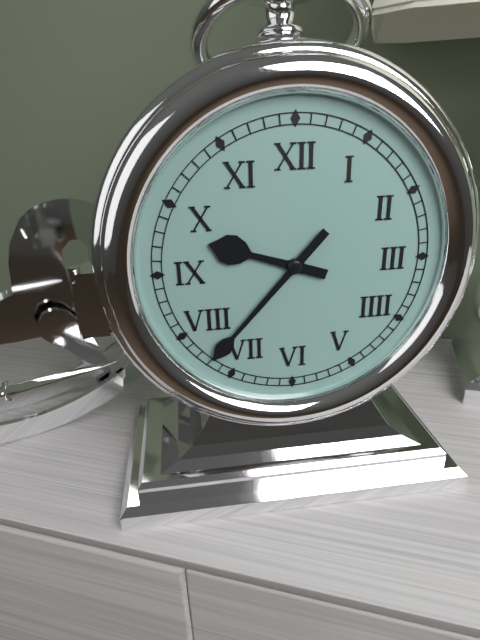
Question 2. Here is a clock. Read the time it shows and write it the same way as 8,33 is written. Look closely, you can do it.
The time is 9,37
